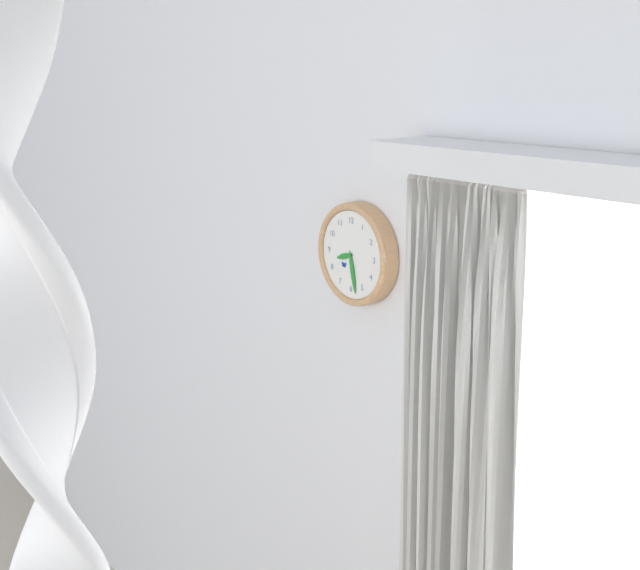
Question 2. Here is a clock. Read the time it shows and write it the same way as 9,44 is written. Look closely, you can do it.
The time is 8,28
